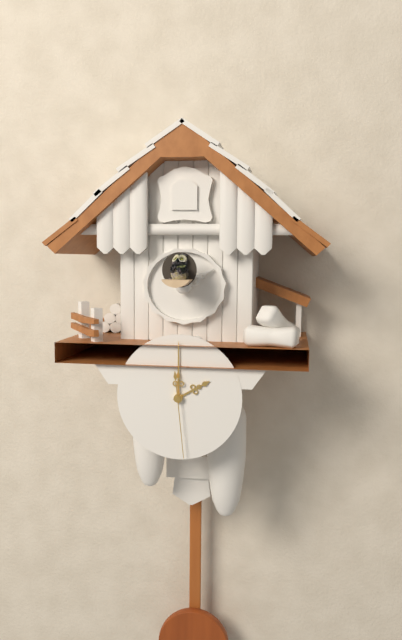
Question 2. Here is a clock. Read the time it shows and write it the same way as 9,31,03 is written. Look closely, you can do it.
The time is 2,00,29
